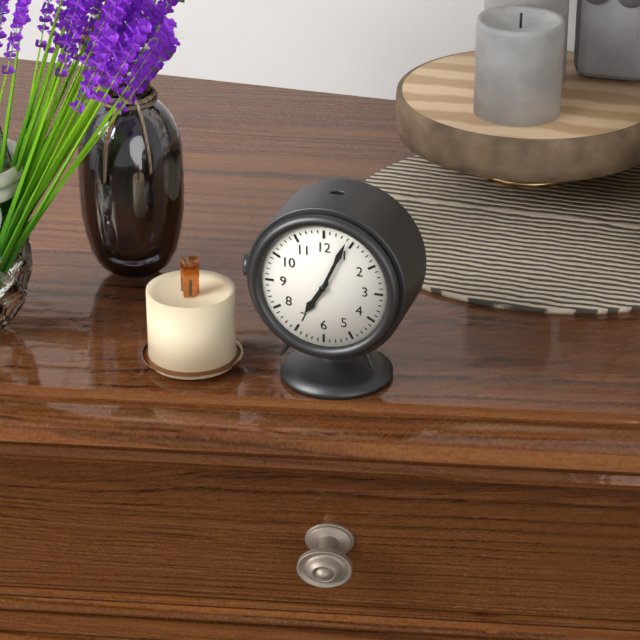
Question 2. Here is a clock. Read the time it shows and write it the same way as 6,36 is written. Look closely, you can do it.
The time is 7,04
